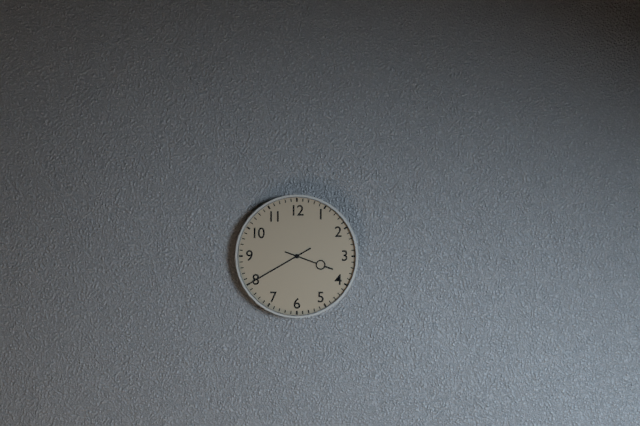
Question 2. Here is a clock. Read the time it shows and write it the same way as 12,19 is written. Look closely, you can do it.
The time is 3,40
